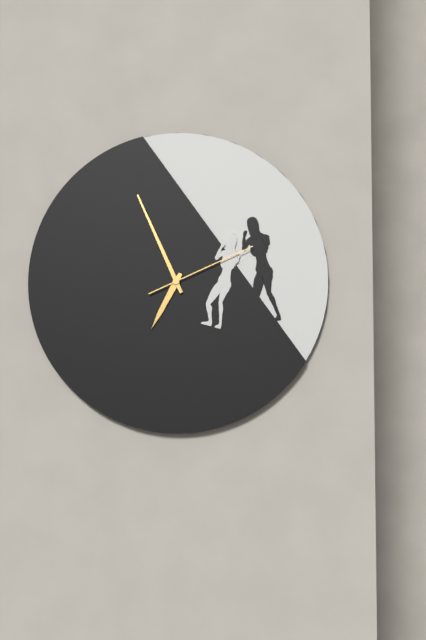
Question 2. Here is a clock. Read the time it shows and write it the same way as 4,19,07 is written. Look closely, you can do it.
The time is 6,56,11
